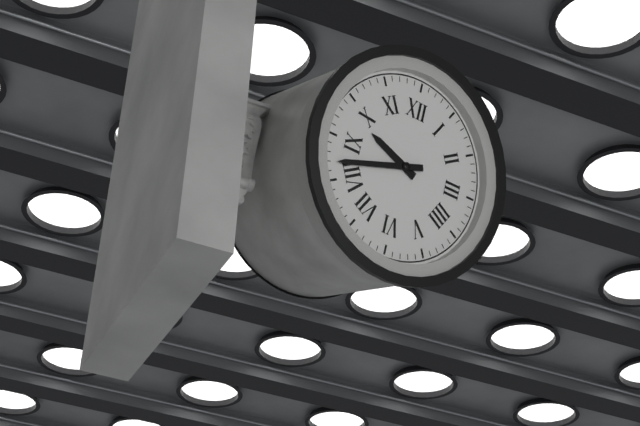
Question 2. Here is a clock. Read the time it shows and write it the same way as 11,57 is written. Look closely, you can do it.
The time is 9,42
